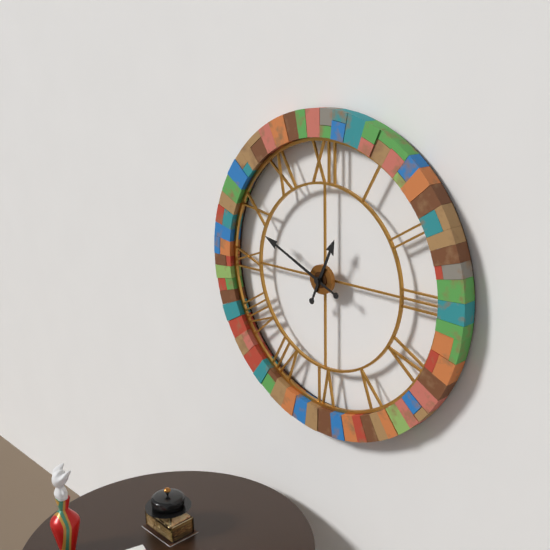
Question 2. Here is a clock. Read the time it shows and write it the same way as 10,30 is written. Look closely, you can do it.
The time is 12,49
